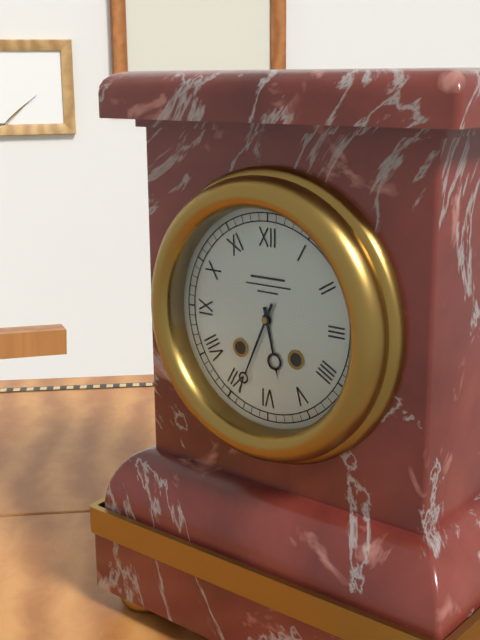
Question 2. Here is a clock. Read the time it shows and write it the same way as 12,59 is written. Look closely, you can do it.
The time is 5,34
